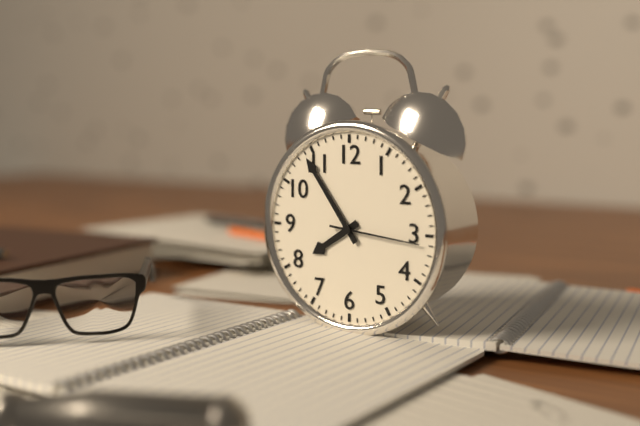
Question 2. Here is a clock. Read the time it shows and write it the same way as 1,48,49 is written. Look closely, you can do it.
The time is 7,54,16
